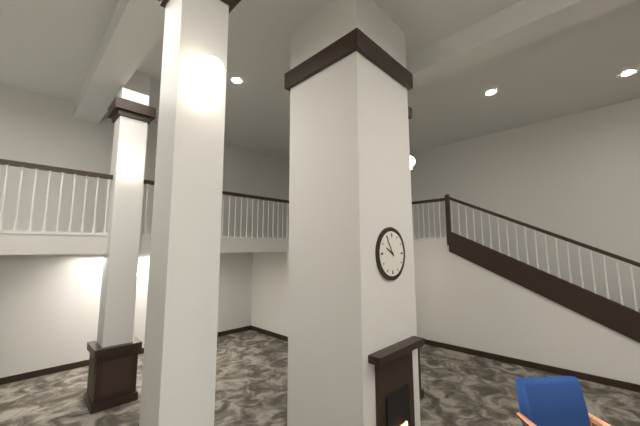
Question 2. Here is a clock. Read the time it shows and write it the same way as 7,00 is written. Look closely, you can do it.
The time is 9,55
